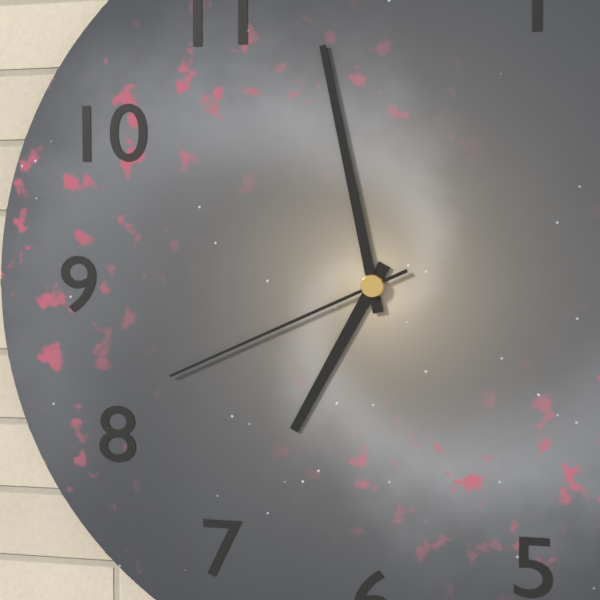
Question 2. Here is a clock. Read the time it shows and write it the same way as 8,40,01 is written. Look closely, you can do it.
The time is 6,58,41
